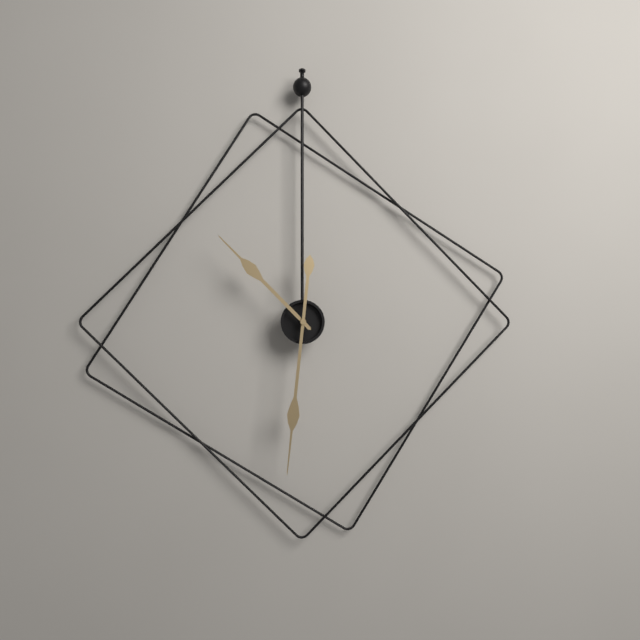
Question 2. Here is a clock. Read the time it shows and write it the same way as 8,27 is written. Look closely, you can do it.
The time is 10,31
